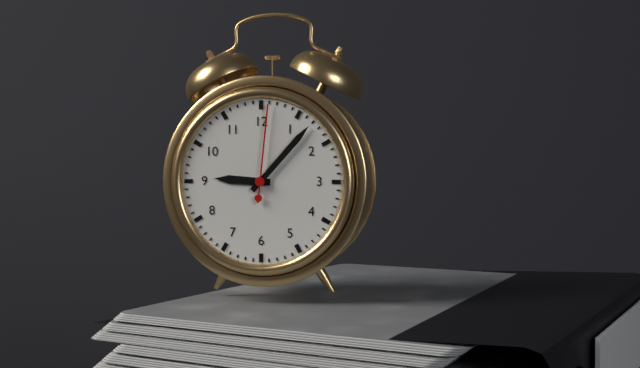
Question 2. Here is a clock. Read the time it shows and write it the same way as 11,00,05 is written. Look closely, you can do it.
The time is 9,07,01
